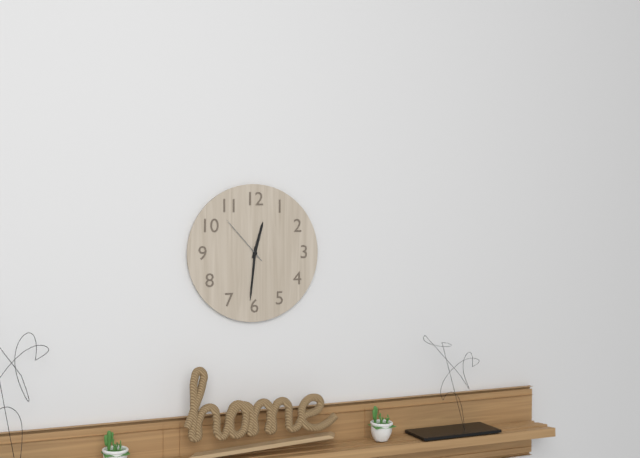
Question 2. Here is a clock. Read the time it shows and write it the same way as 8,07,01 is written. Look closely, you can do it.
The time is 12,31,53
